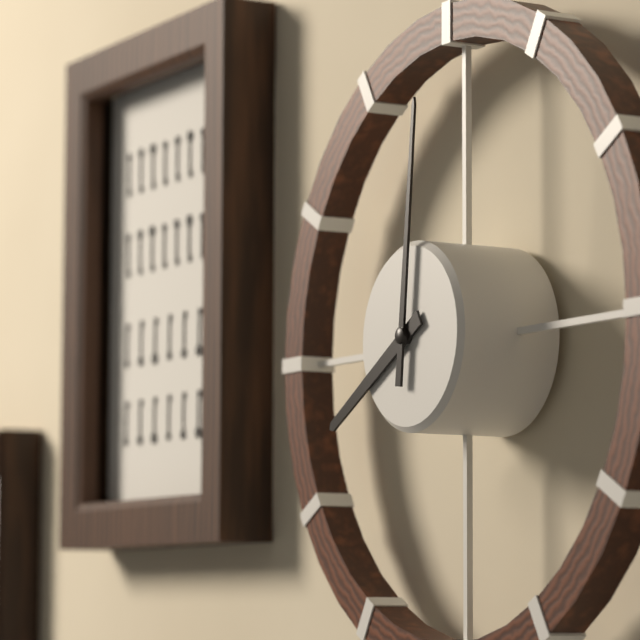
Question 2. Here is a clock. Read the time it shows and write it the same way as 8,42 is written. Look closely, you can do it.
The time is 8,01
